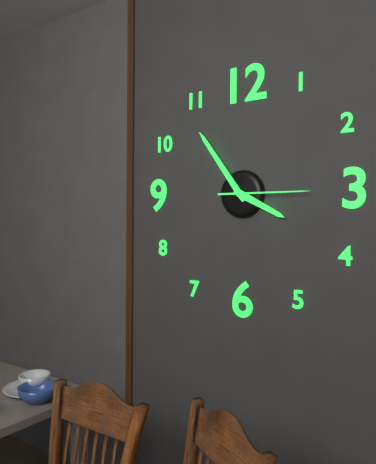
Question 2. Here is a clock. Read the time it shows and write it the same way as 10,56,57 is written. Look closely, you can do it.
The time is 3,54,15
